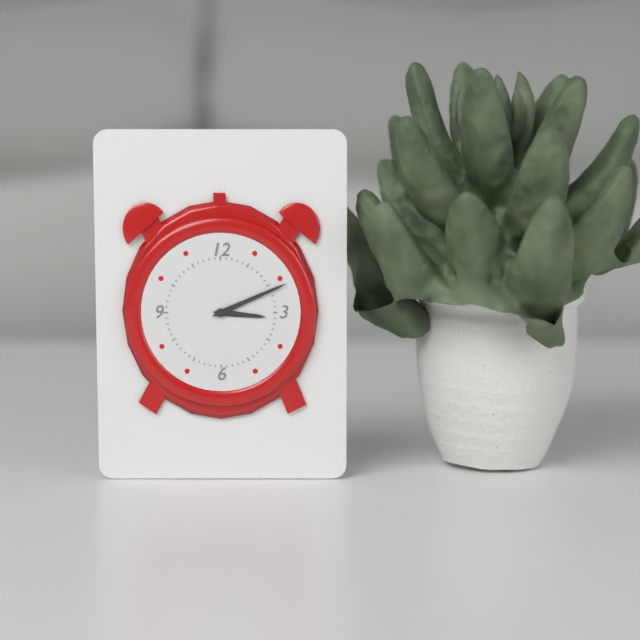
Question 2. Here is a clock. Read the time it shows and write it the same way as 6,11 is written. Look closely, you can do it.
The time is 3,11
